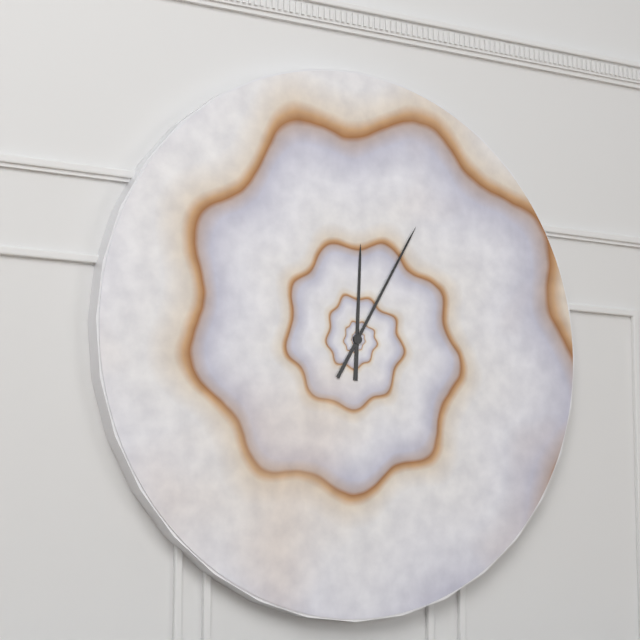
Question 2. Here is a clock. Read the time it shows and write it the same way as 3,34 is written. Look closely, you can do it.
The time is 12,05
